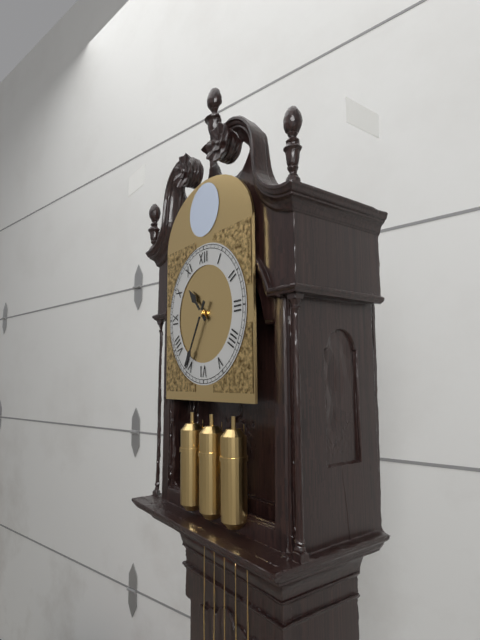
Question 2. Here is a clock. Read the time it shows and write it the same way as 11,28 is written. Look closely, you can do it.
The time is 10,35
